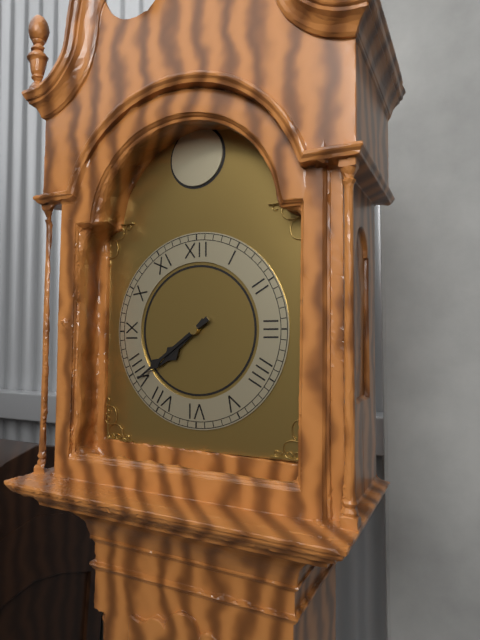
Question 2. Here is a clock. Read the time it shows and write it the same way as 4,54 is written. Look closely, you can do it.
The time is 7,39
